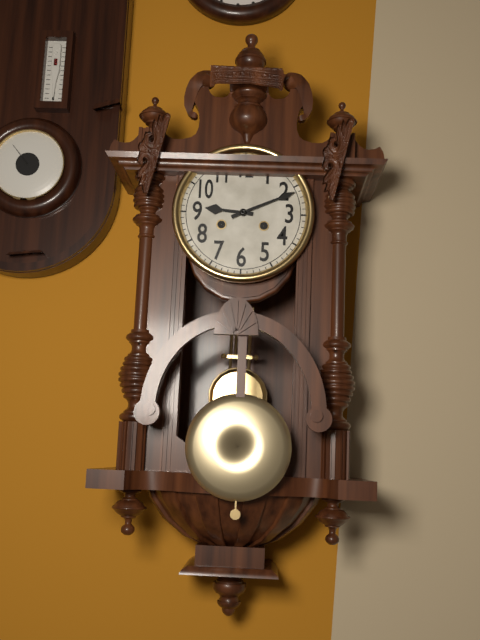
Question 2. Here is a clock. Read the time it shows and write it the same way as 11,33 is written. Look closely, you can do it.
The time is 9,11
